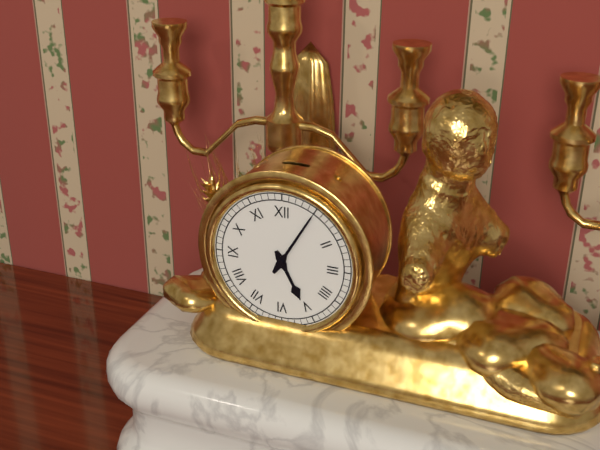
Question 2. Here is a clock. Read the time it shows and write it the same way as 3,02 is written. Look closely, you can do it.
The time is 5,05
